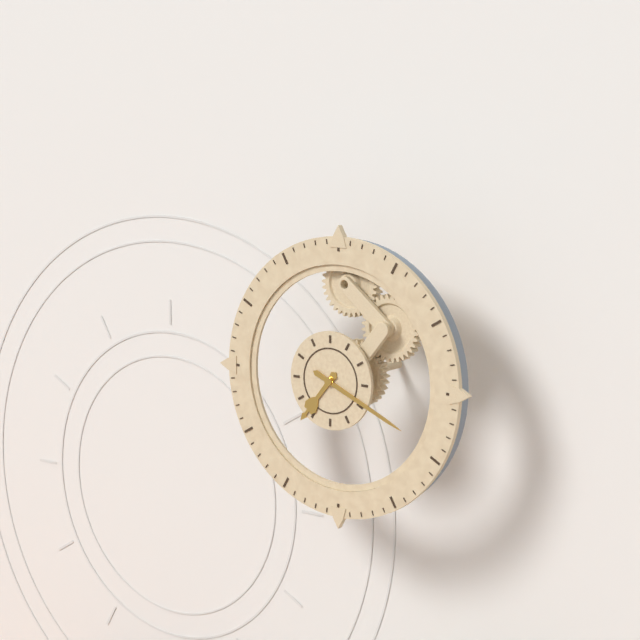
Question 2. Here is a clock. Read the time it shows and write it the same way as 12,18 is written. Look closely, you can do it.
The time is 7,19
